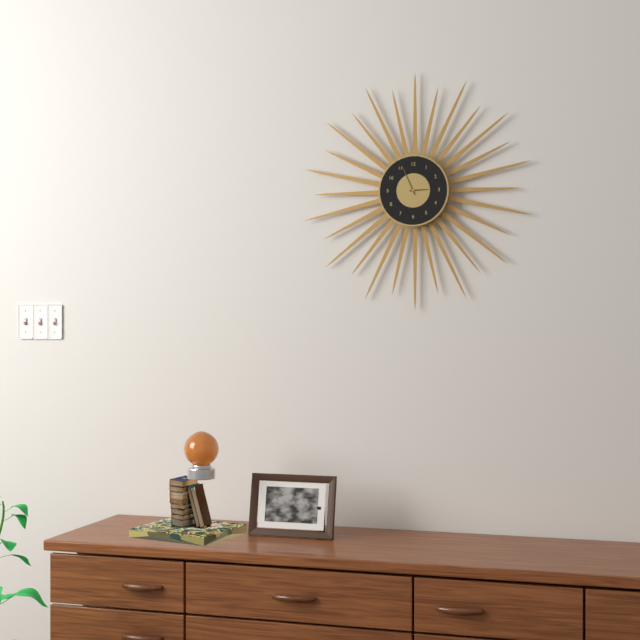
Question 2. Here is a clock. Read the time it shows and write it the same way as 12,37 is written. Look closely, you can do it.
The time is 2,56
